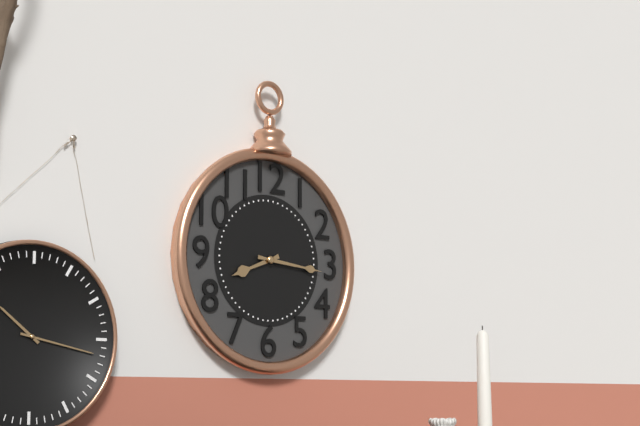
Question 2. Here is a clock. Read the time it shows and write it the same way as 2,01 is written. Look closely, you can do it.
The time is 8,16
